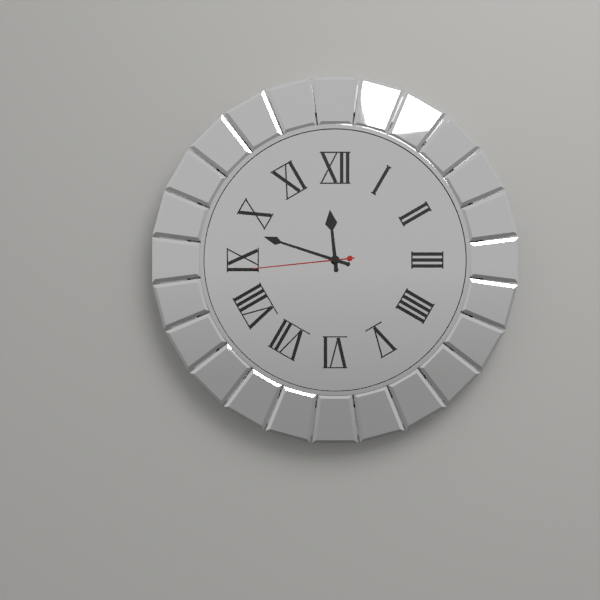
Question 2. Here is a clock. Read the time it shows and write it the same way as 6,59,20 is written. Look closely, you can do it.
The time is 11,48,44
